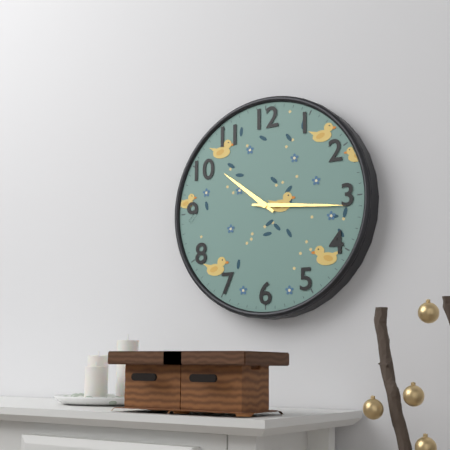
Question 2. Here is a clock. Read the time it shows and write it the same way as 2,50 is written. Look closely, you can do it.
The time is 10,16
